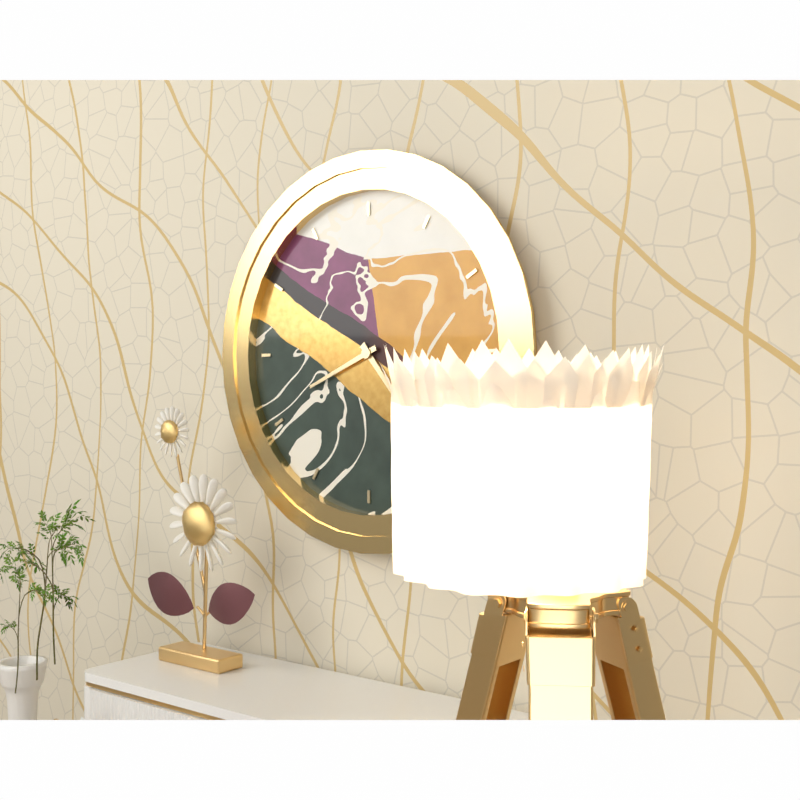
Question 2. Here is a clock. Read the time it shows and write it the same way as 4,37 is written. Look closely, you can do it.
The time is 4,41
